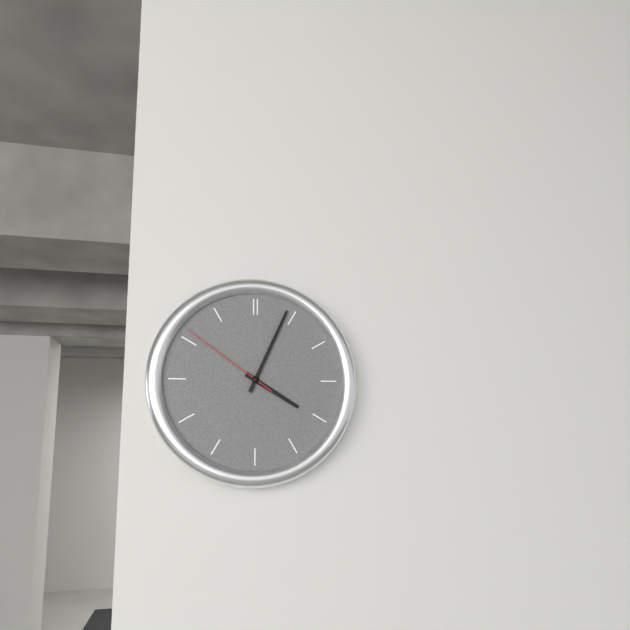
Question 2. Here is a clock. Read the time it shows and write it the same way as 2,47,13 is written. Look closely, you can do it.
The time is 4,04,51
